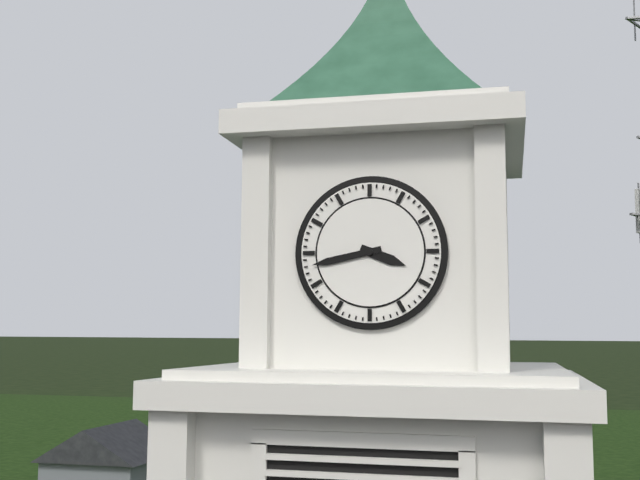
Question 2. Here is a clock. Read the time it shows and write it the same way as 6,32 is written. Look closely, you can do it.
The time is 3,43
